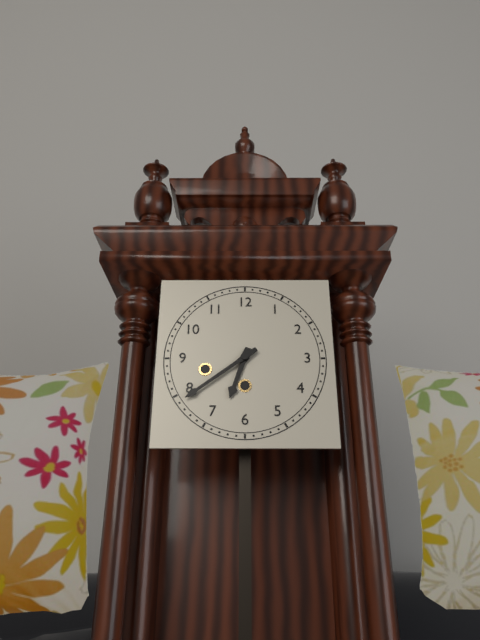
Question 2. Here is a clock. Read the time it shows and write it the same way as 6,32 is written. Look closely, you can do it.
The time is 6,39
